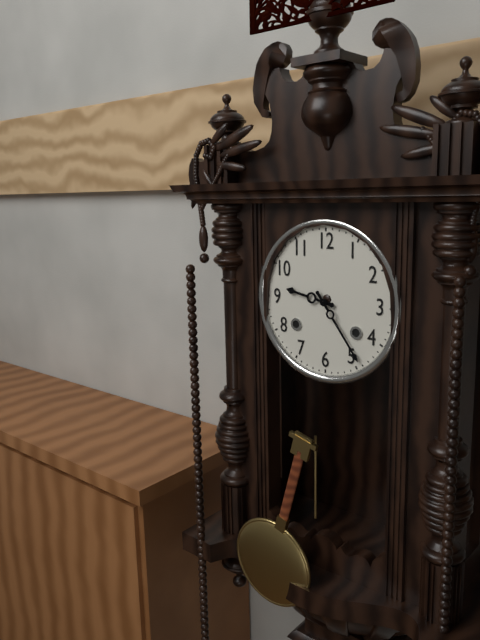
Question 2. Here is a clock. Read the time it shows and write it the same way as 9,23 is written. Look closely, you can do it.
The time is 9,24
